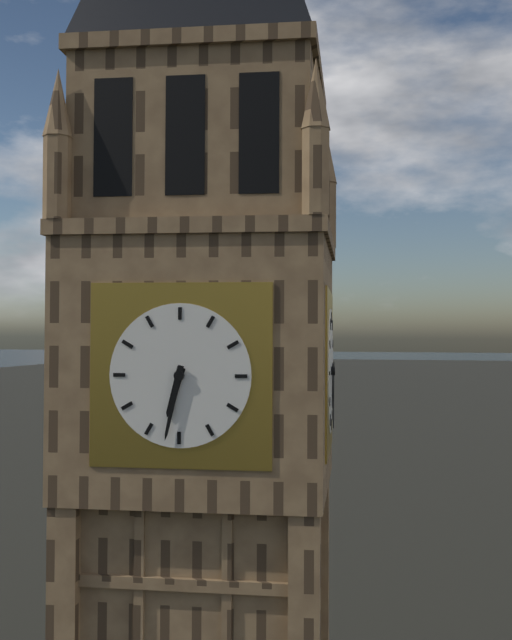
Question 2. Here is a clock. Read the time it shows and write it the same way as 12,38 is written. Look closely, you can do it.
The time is 6,32
